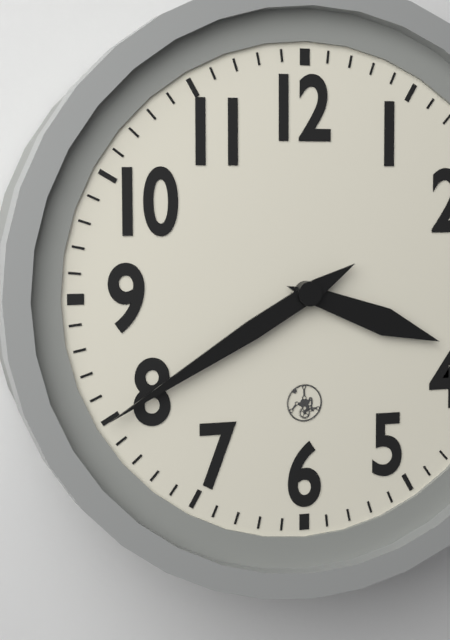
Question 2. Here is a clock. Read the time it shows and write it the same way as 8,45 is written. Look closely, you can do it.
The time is 3,40
